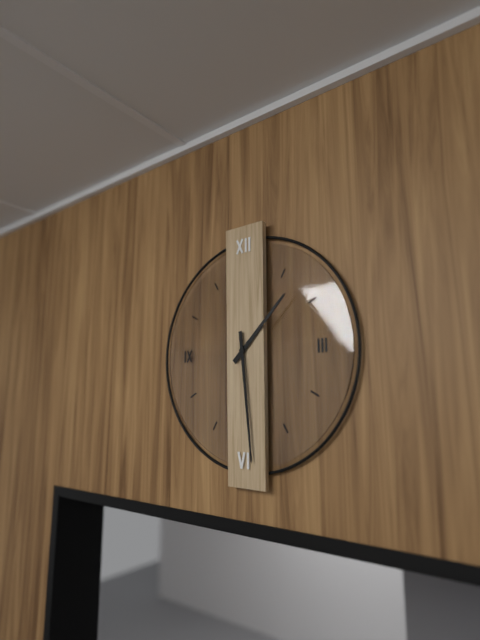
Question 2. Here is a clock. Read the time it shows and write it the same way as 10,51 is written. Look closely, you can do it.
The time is 1,29
